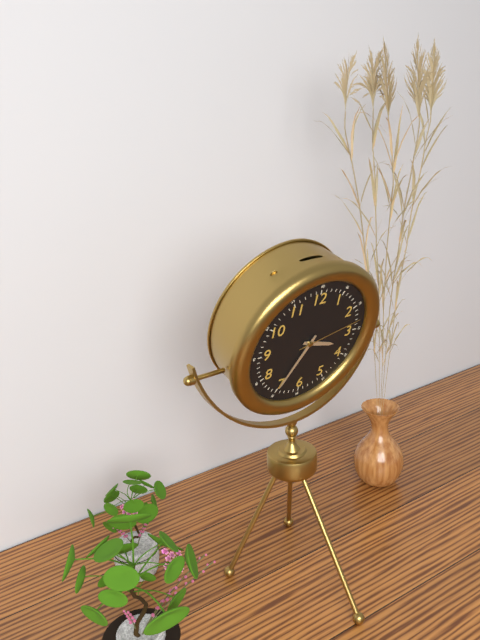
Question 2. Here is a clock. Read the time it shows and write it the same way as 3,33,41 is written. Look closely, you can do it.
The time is 3,35,13
